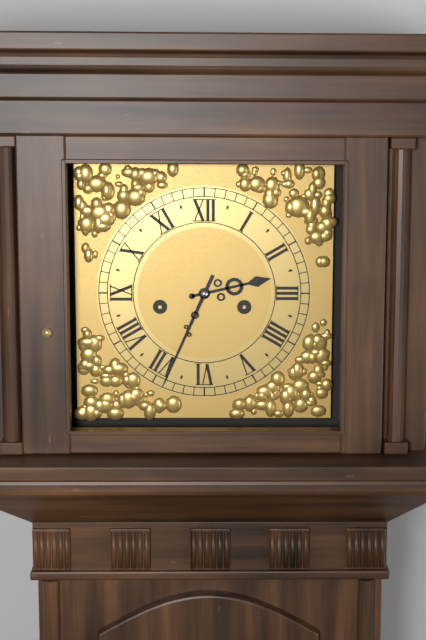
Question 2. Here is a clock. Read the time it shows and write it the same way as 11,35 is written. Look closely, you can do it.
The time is 2,34
